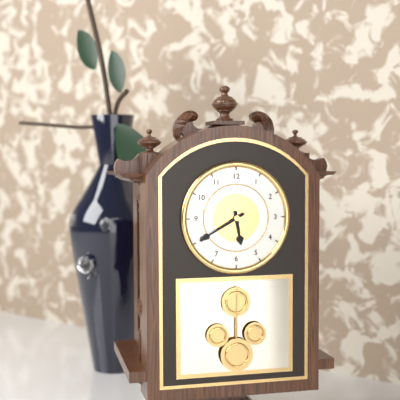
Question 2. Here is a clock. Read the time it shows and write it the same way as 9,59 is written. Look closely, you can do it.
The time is 5,40
